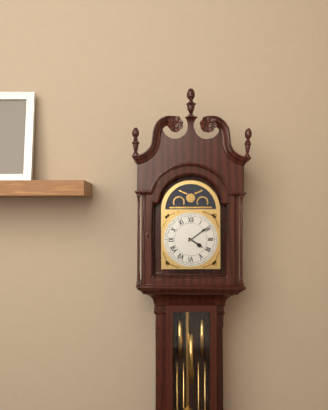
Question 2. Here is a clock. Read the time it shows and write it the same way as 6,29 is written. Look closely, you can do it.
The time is 4,09
